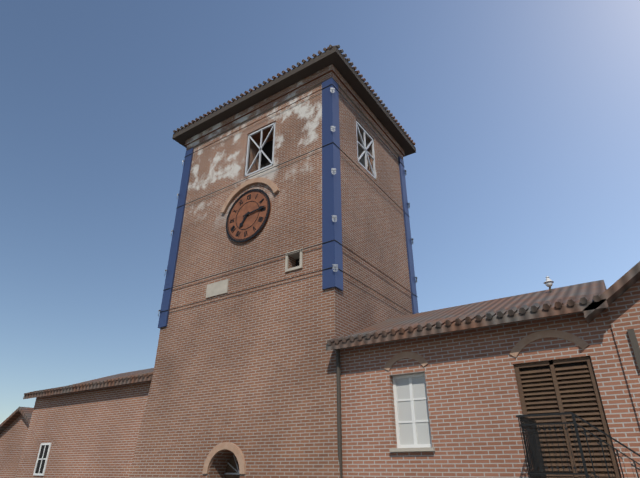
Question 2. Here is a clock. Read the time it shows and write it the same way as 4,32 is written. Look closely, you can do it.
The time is 7,14
